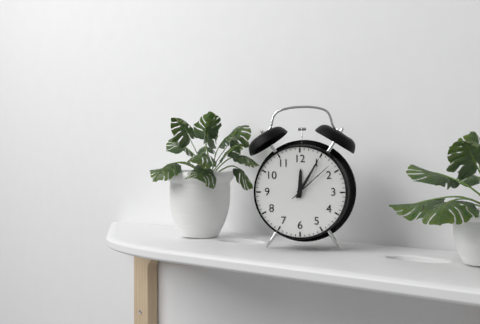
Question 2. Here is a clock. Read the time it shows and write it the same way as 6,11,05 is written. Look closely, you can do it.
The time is 12,05,08
